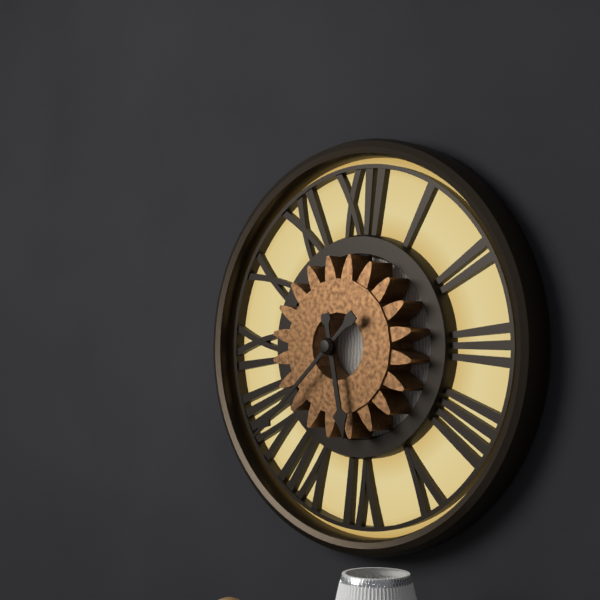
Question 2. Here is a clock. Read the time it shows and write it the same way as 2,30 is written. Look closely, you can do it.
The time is 5,38
